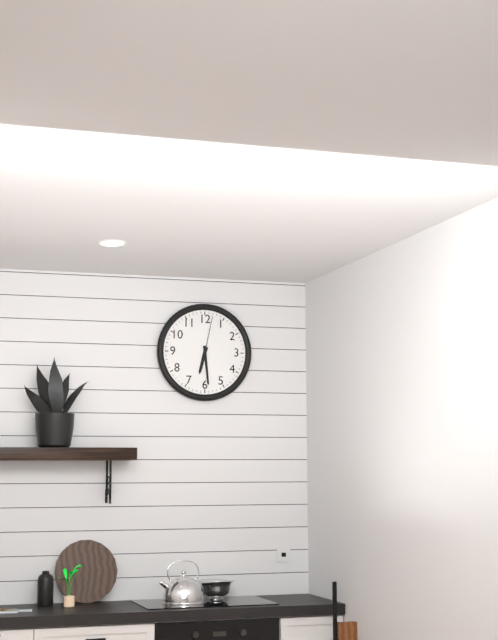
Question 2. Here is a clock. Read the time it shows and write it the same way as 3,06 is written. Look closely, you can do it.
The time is 6,29
